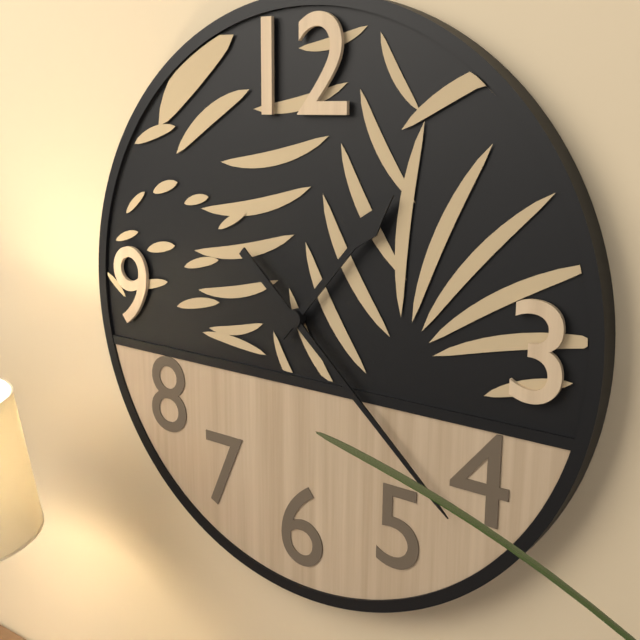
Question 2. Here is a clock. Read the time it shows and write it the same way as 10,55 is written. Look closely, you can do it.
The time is 1,22
